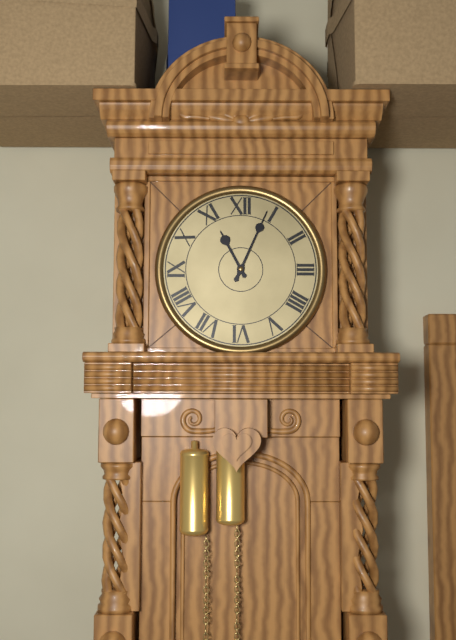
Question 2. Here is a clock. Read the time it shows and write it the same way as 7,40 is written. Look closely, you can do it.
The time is 11,04
